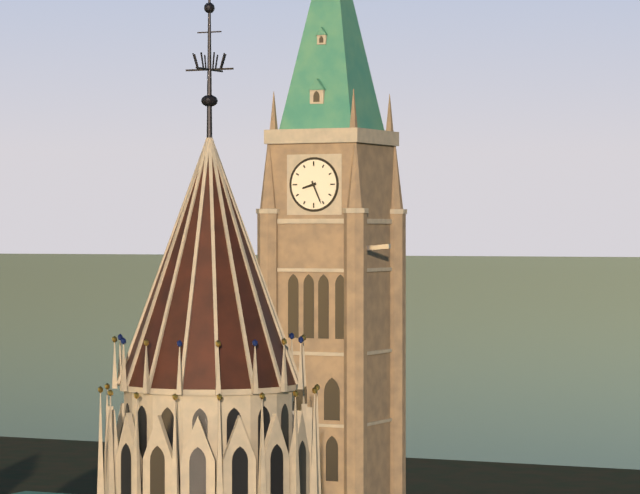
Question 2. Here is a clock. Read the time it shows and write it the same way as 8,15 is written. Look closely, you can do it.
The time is 8,26
